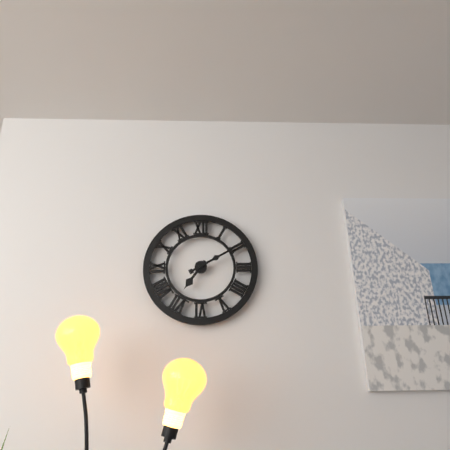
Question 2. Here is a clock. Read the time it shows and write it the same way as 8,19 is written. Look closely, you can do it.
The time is 7,10
